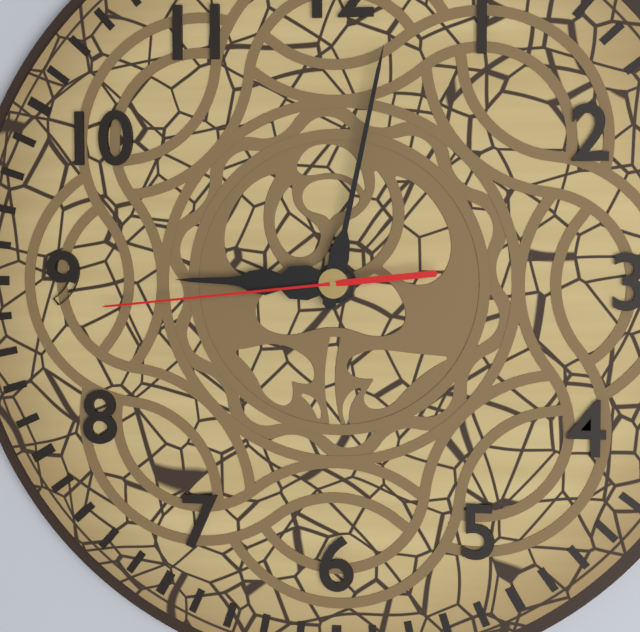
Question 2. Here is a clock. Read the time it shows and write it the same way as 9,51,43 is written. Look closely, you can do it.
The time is 9,02,44
